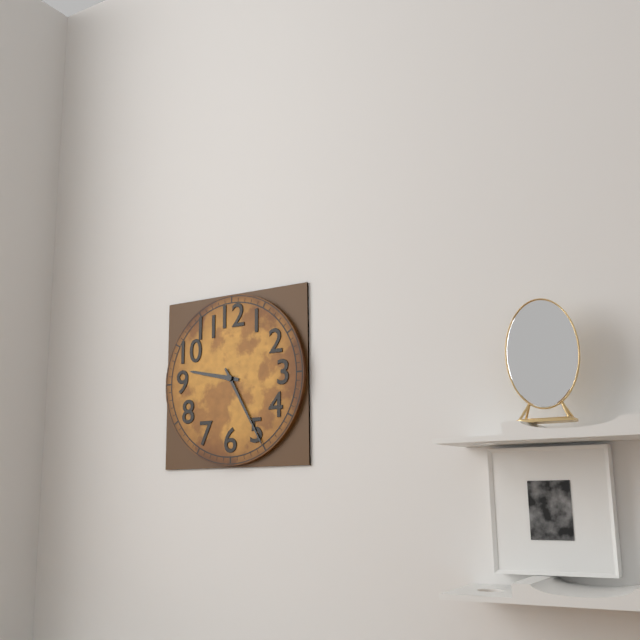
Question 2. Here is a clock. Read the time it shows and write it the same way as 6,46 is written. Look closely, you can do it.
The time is 9,25
